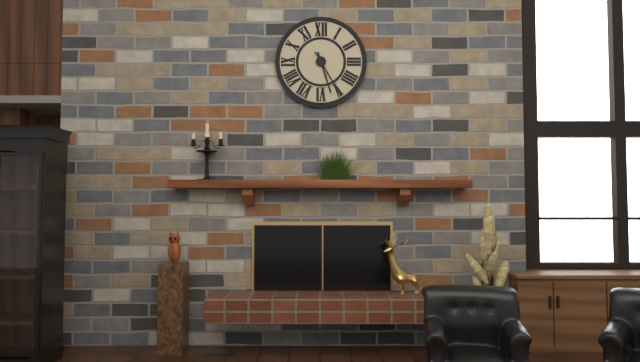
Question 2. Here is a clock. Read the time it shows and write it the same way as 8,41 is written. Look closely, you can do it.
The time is 5,25
